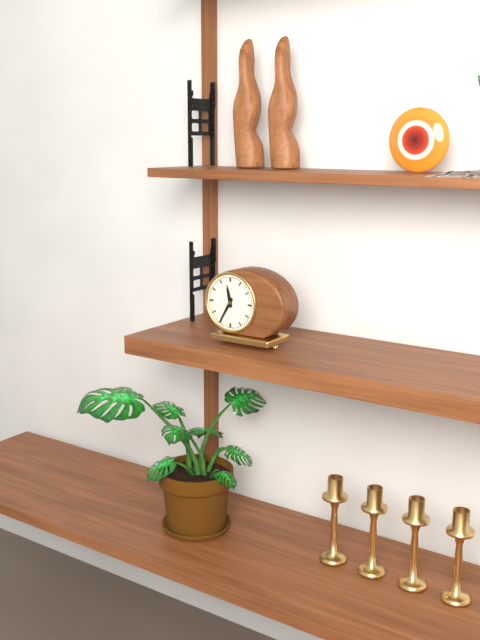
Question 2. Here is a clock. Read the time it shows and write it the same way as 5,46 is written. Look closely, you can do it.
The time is 11,35
